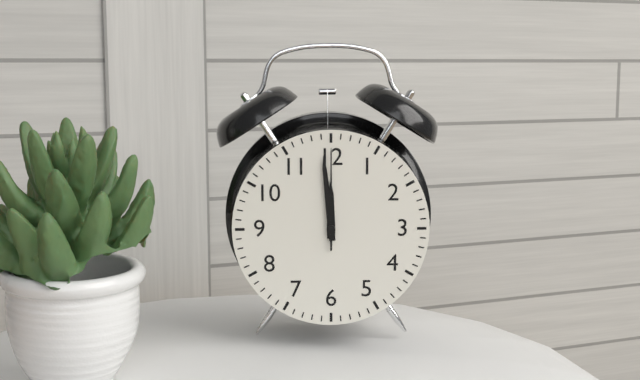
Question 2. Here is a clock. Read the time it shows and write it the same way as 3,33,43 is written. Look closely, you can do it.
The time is 11,59,00
